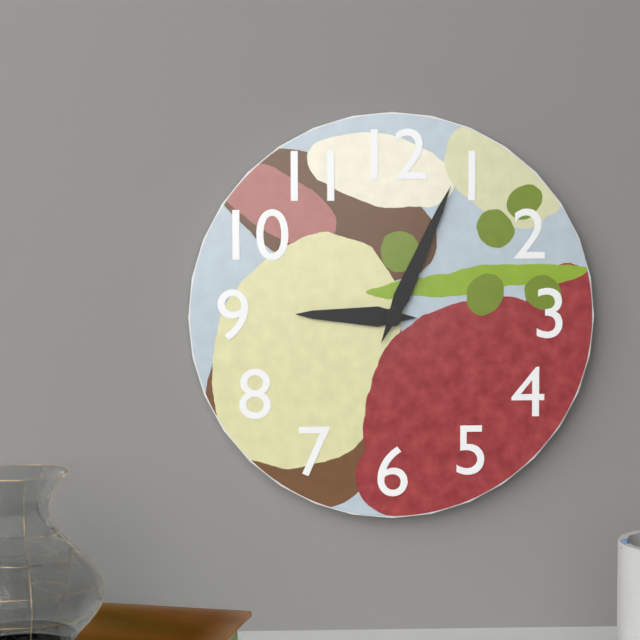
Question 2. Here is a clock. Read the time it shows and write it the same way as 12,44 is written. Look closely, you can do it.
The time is 9,04
